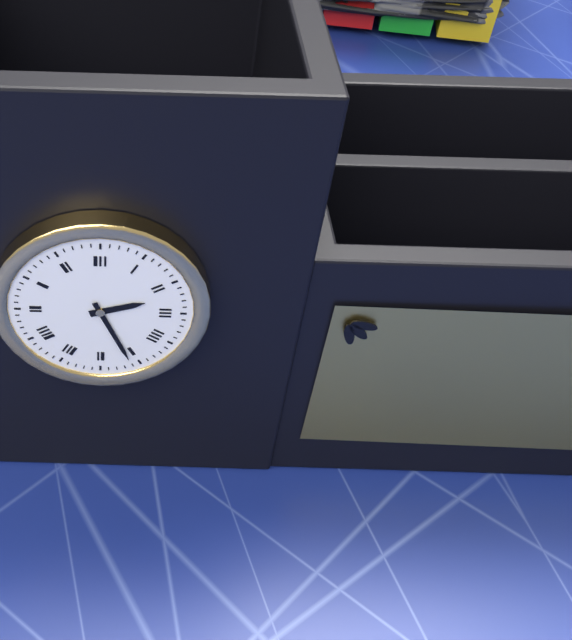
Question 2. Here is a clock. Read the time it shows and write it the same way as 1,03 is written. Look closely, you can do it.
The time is 2,26
